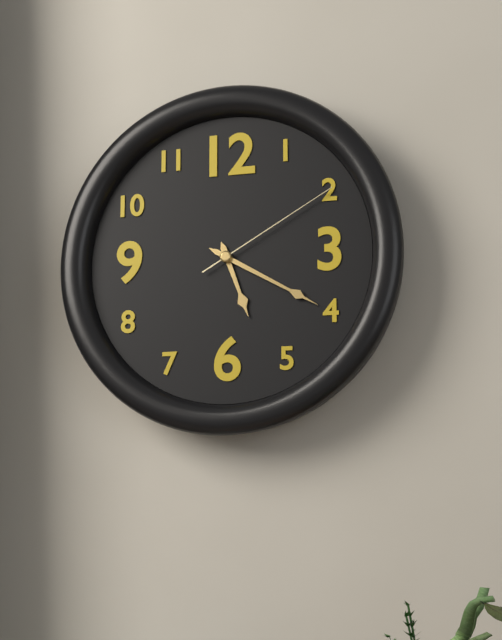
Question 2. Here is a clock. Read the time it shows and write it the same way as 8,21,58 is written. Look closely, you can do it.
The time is 5,20,10
